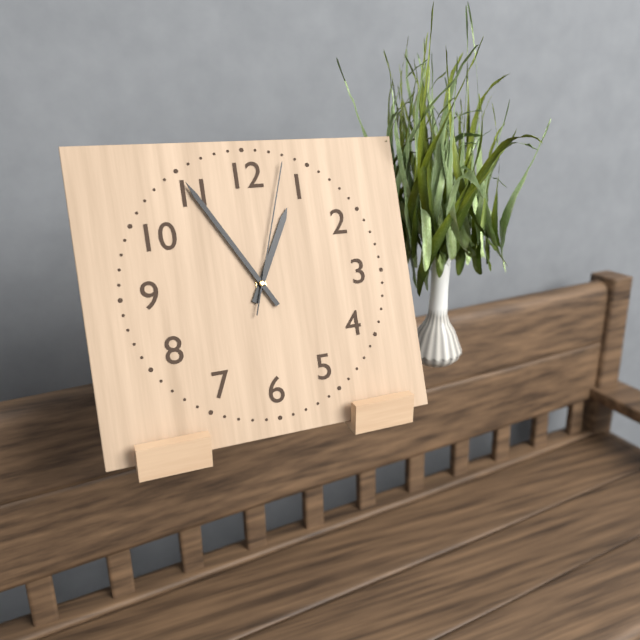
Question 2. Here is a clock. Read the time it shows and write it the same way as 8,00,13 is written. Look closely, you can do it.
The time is 12,55,03
